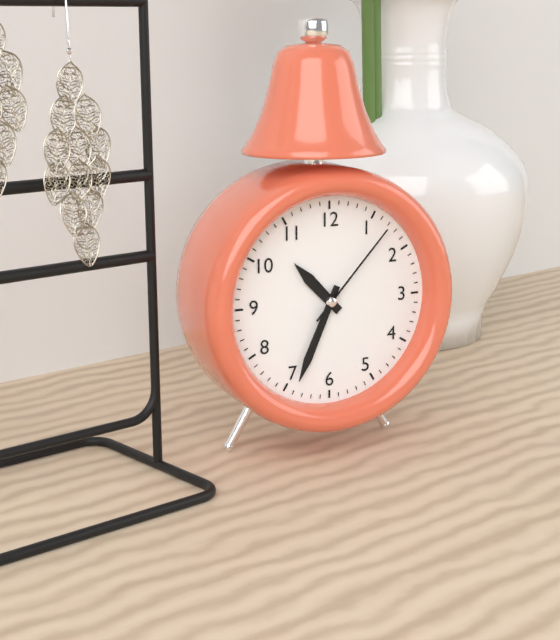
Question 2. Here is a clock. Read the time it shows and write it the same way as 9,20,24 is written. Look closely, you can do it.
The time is 10,34,07
